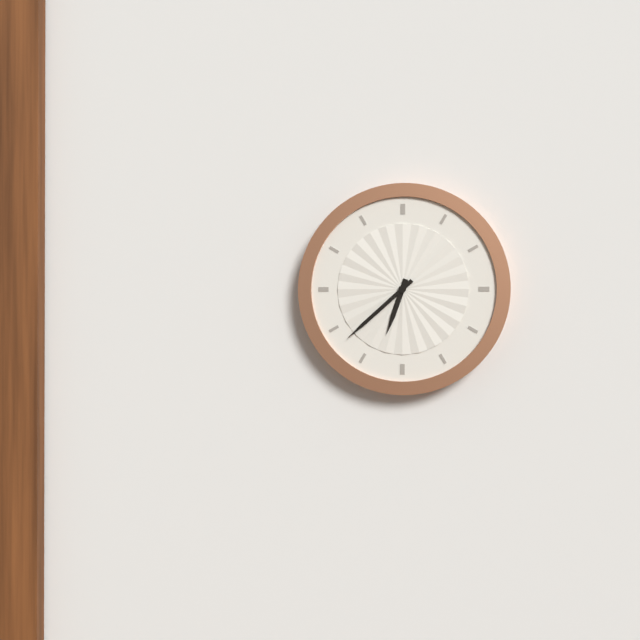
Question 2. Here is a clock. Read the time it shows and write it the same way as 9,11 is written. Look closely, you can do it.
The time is 6,38
